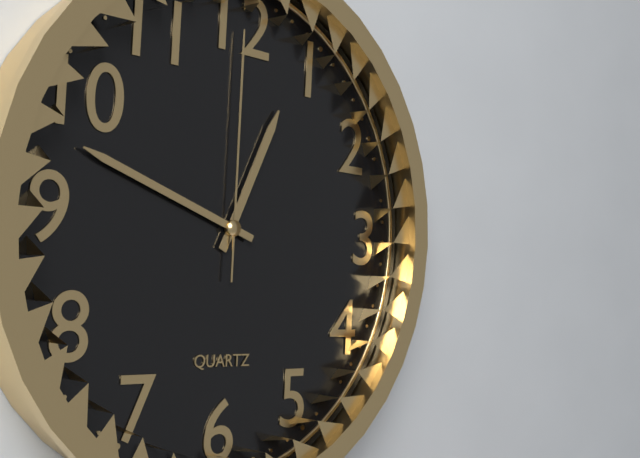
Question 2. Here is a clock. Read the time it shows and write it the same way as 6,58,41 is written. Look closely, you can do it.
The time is 12,48,00
